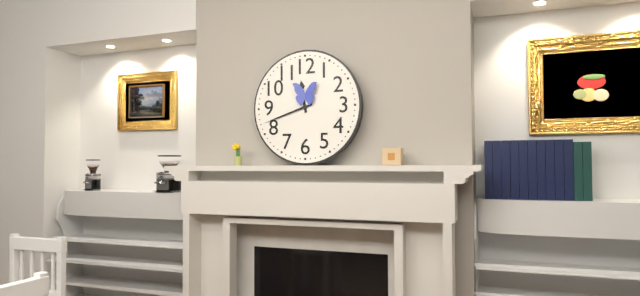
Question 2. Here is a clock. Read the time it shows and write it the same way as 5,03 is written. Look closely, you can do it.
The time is 11,42
